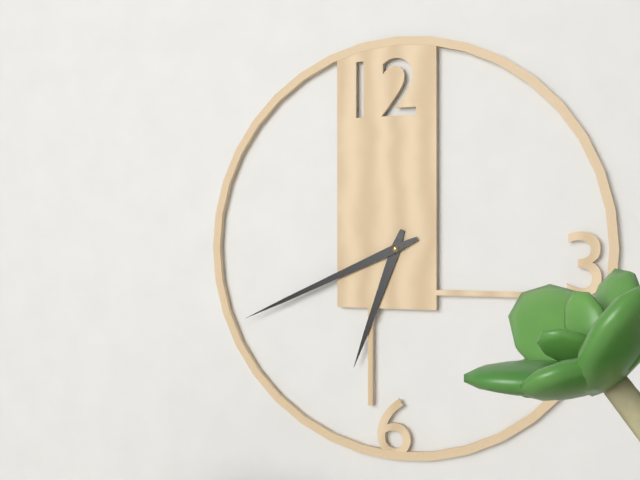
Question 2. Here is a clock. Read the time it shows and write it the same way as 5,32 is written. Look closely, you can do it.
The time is 6,41
